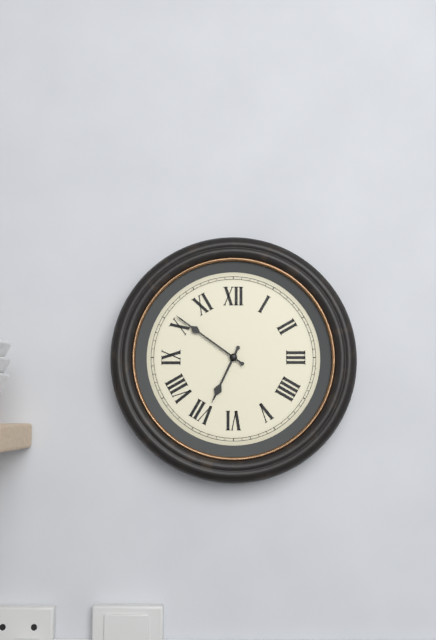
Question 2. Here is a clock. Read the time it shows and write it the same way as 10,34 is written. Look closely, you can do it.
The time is 6,51
